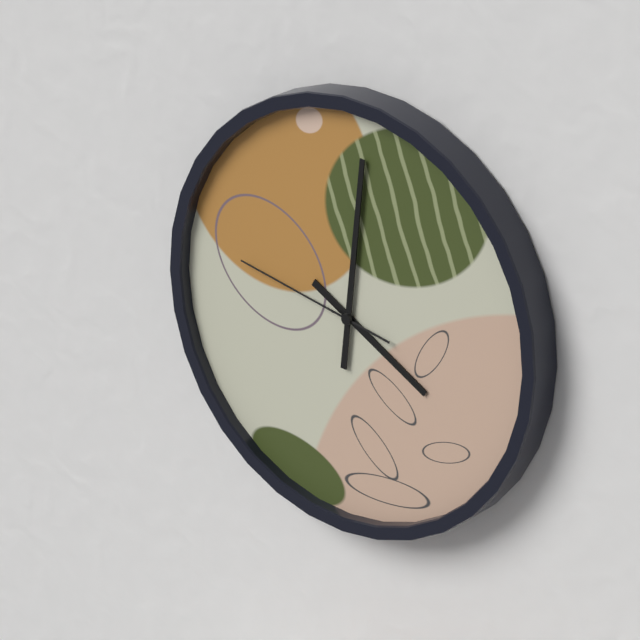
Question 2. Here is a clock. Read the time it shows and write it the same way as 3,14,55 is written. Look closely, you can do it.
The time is 4,01,47
